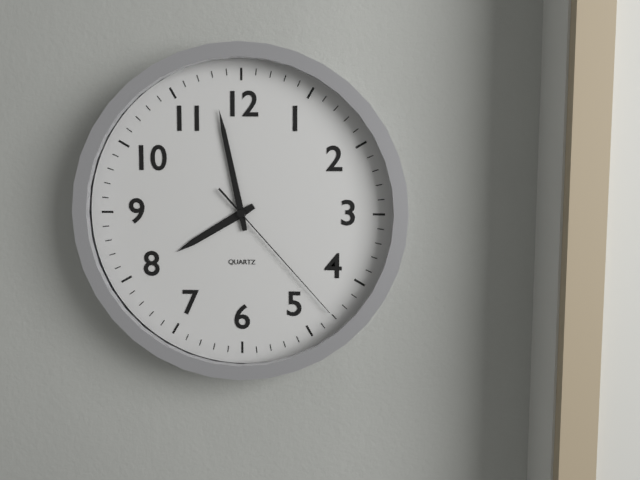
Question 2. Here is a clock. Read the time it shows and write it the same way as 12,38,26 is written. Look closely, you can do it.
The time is 7,58,23
